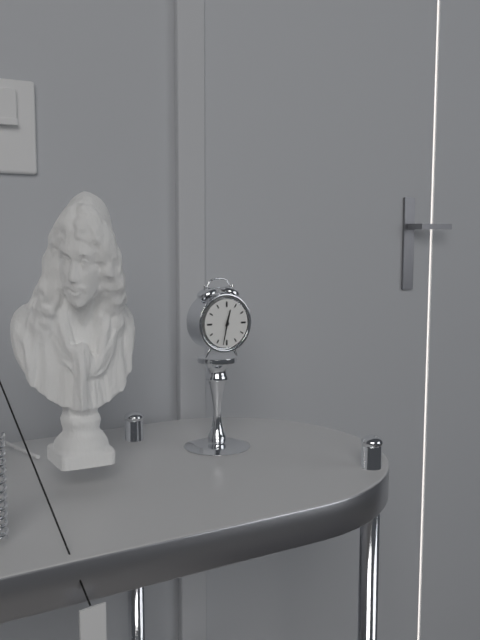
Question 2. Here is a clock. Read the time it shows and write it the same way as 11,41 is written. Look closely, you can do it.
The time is 12,32
